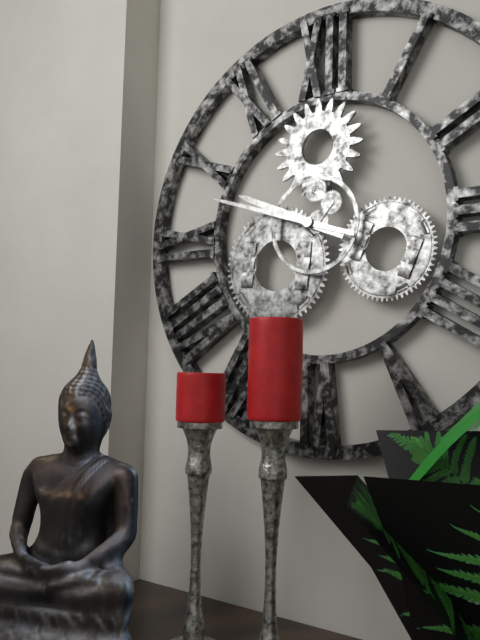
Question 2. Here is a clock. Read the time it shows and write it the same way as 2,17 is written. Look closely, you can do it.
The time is 9,48
